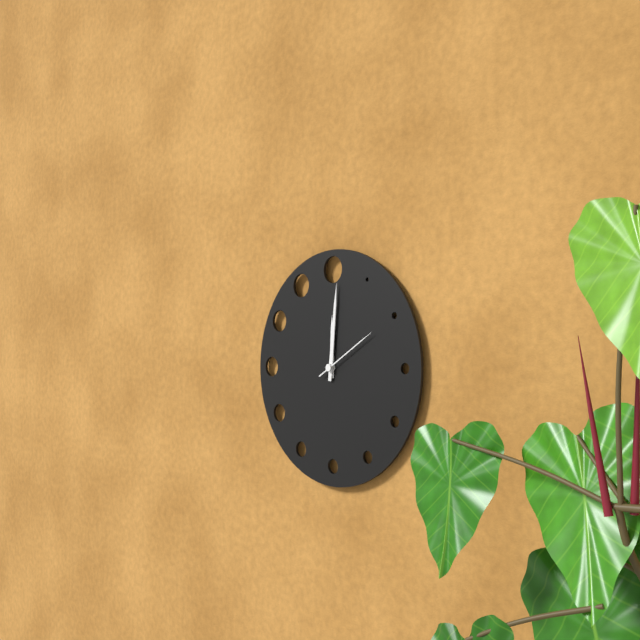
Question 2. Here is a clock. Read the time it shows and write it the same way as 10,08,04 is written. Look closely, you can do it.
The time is 12,01,10
